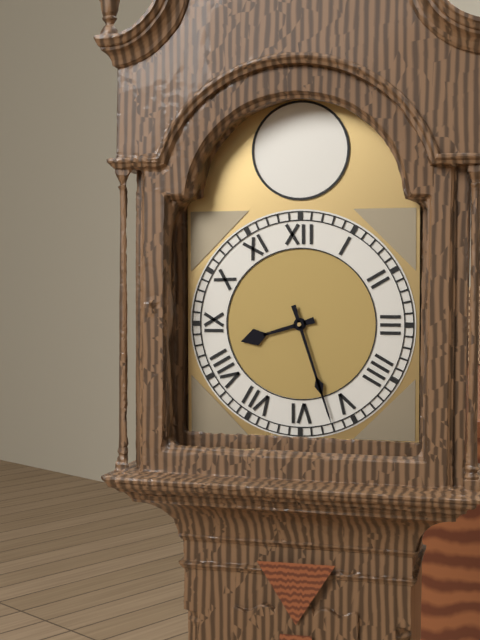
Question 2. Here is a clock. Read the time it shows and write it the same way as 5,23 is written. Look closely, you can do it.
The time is 8,27
